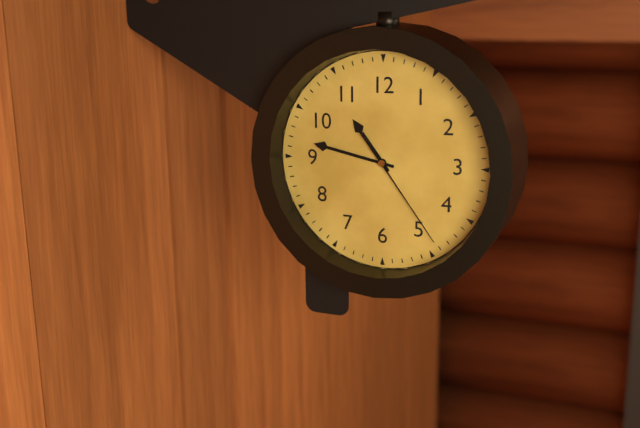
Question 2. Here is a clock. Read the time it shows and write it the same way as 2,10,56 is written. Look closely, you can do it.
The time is 10,47,24
